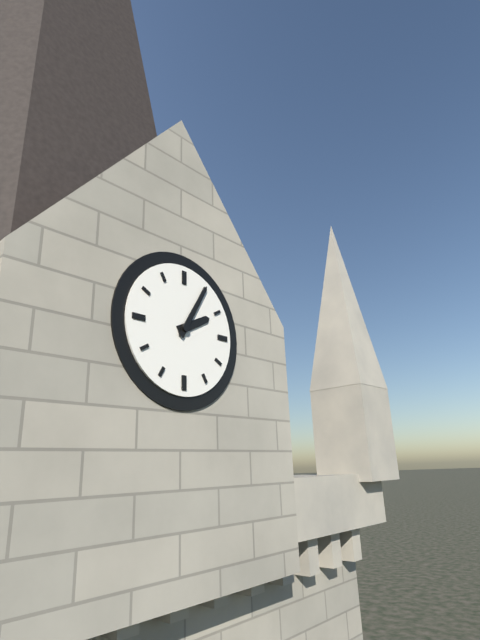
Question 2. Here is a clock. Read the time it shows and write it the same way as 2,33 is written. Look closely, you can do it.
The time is 2,05
